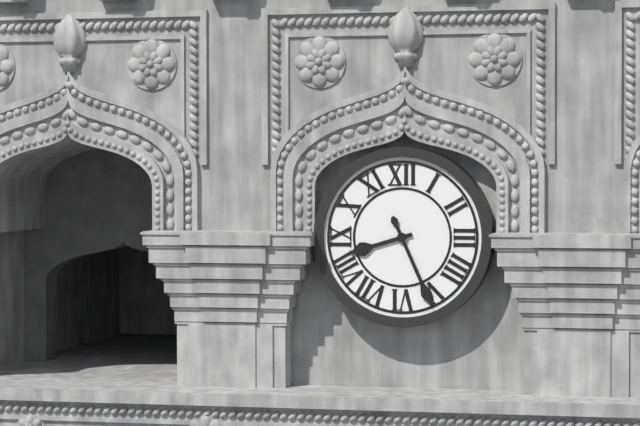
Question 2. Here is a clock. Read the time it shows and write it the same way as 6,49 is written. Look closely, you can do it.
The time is 8,26
